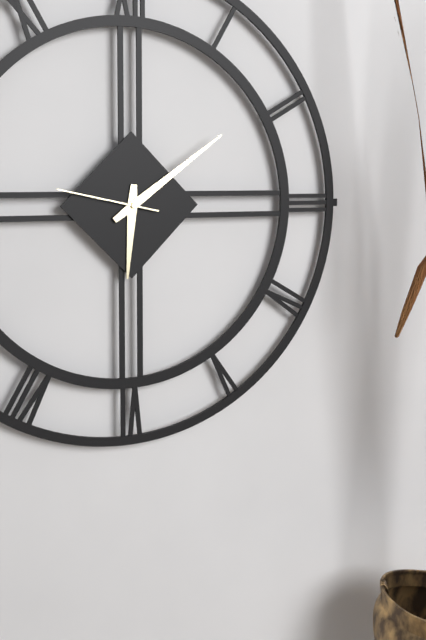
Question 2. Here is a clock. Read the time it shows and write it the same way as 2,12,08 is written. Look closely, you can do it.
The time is 6,09,47
